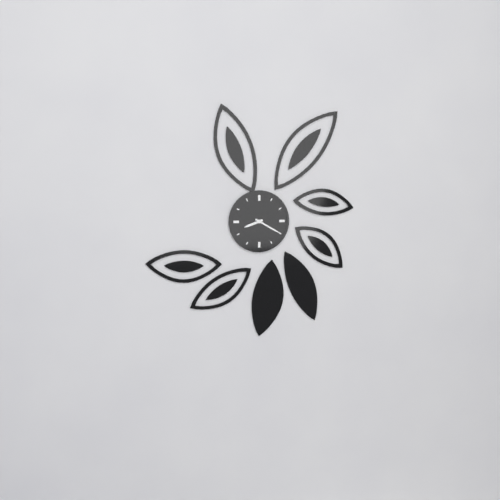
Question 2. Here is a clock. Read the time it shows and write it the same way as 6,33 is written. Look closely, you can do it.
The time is 8,20
